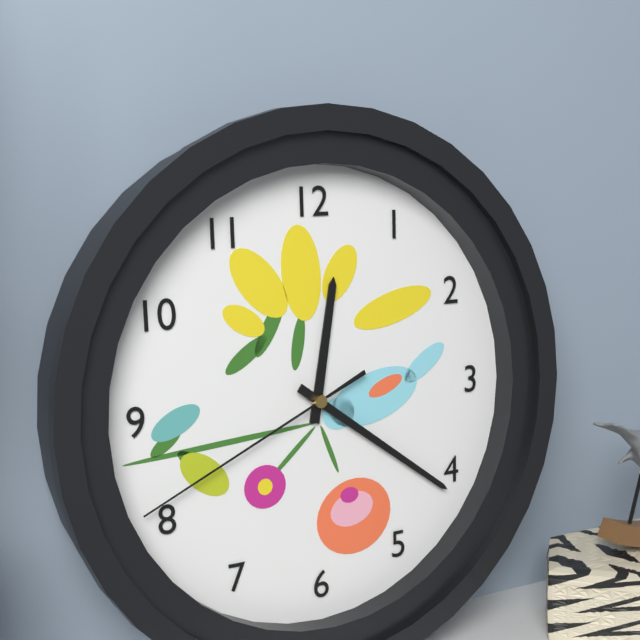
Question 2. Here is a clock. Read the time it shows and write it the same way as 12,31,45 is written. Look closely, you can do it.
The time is 12,21,41
